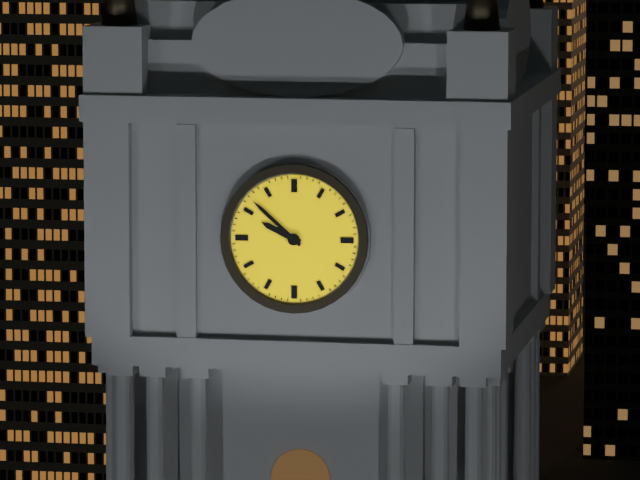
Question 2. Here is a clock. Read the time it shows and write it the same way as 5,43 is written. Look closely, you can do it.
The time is 9,52
